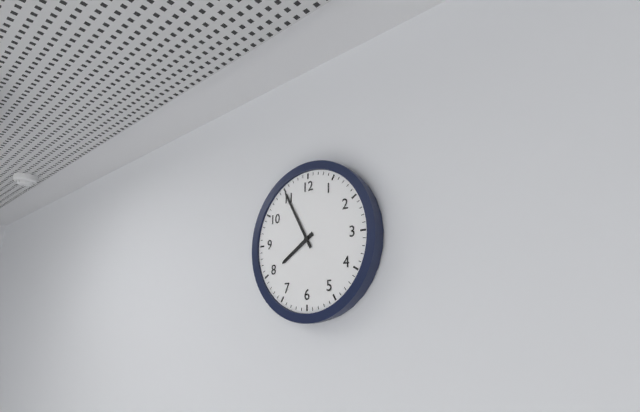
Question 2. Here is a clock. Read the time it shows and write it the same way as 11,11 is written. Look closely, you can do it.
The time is 7,55
